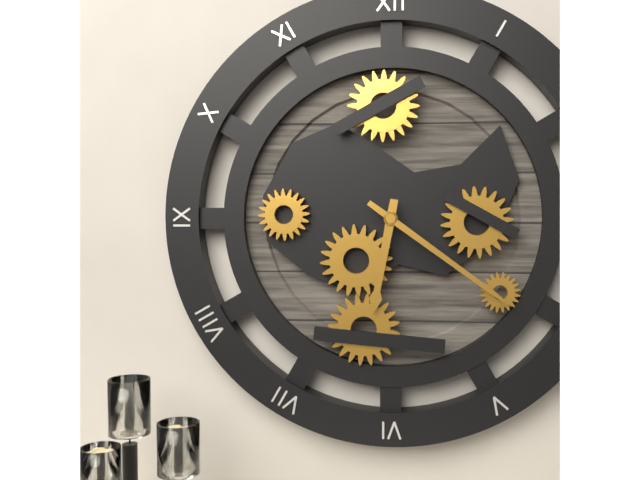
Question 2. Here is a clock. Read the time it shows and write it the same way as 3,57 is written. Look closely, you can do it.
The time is 6,21
